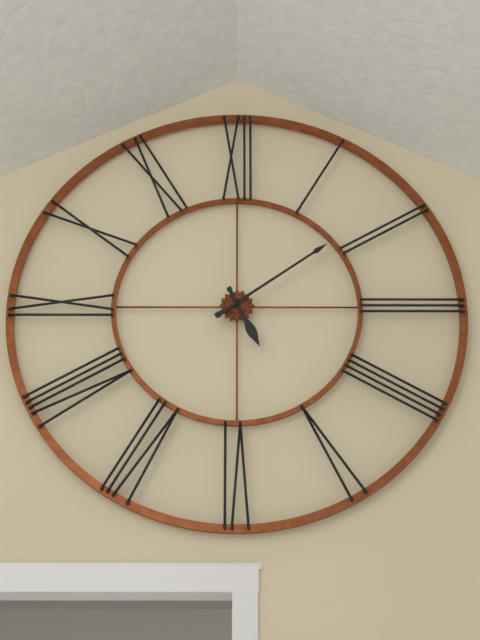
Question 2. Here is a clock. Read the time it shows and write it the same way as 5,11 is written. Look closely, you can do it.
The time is 5,09
